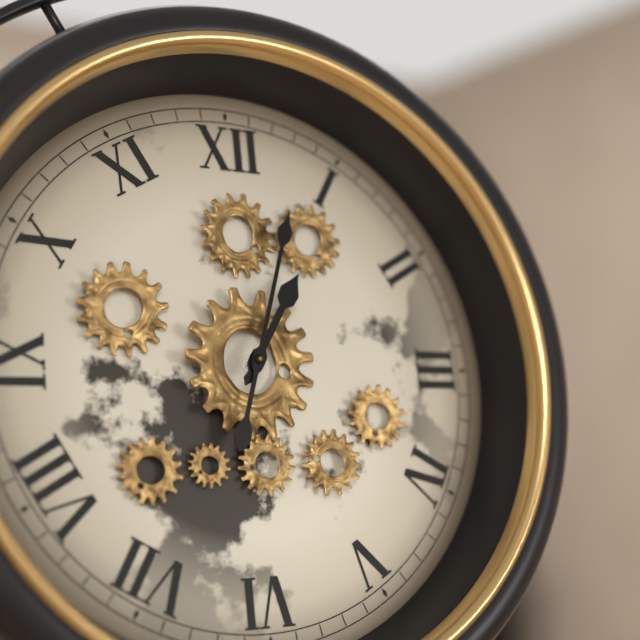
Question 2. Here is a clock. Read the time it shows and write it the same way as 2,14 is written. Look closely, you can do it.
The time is 1,03
